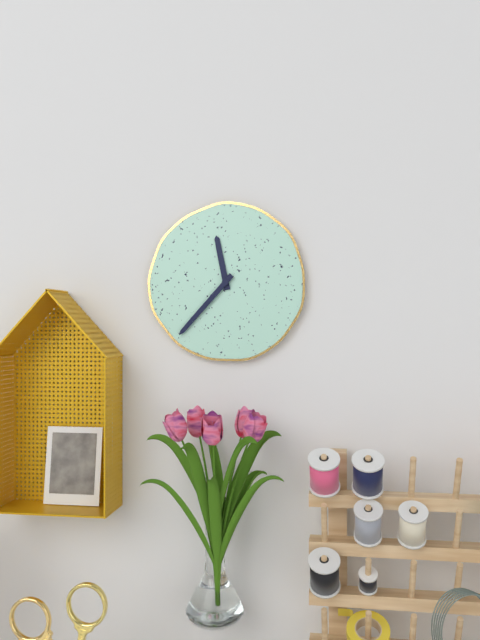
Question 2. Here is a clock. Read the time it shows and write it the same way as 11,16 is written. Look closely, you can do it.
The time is 11,37
